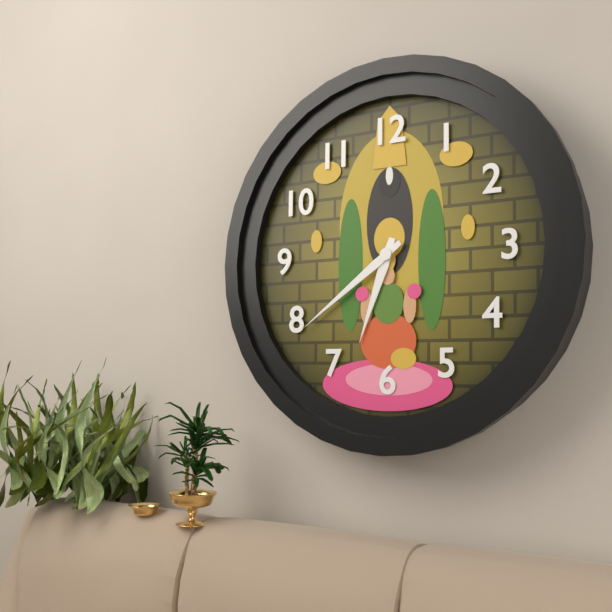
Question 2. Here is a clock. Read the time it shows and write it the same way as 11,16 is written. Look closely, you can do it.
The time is 6,39
